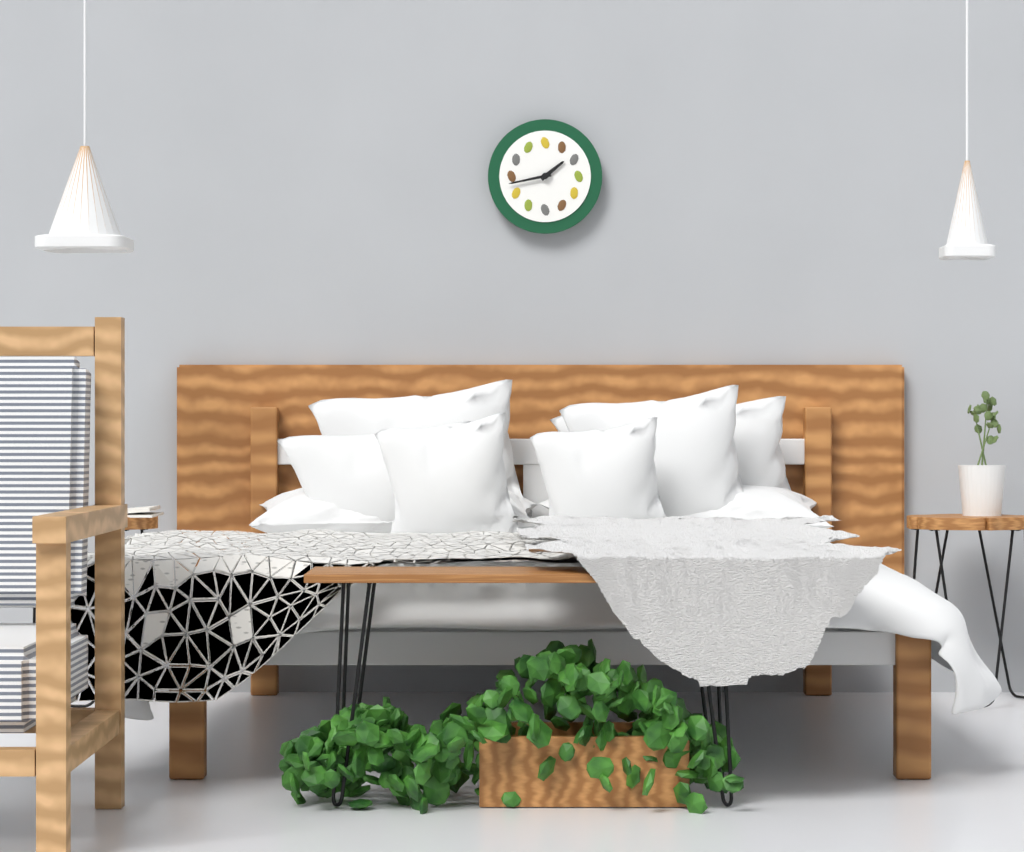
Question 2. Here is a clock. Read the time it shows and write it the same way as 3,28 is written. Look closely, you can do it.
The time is 1,43
